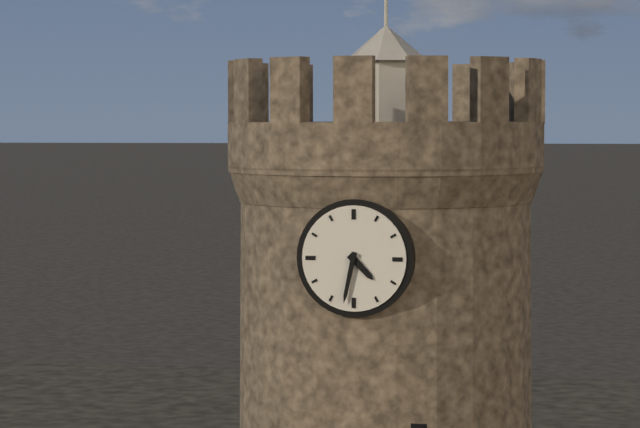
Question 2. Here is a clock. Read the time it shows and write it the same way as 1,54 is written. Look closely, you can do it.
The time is 4,32
